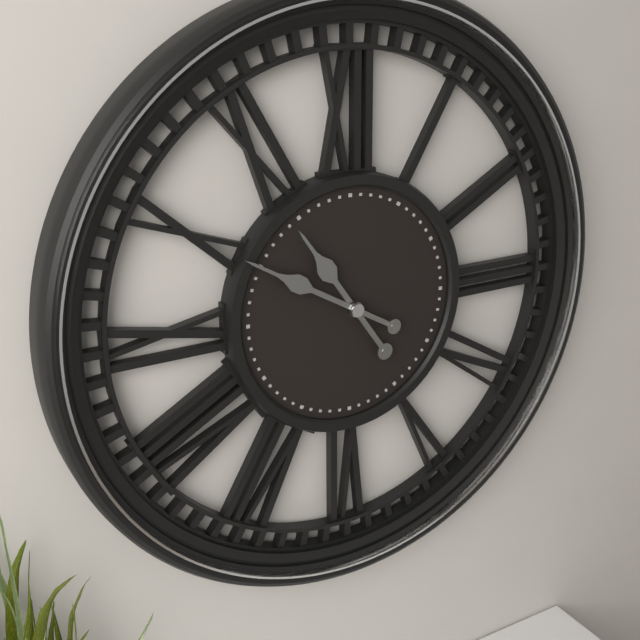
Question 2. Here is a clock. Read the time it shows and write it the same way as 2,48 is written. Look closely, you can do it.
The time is 10,50
